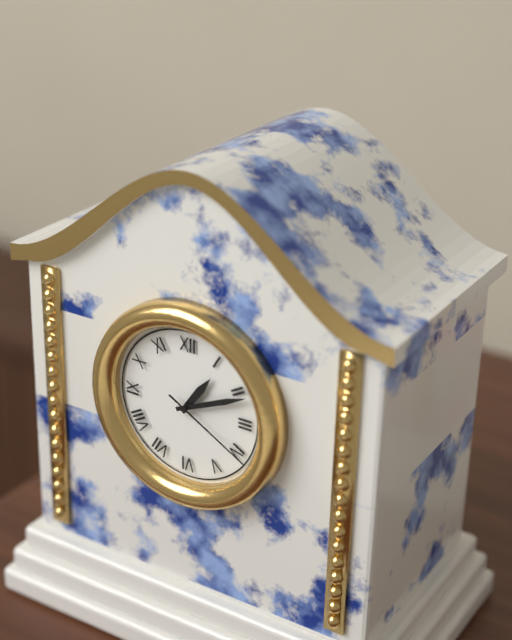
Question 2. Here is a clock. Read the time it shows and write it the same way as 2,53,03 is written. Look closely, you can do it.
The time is 1,11,20
